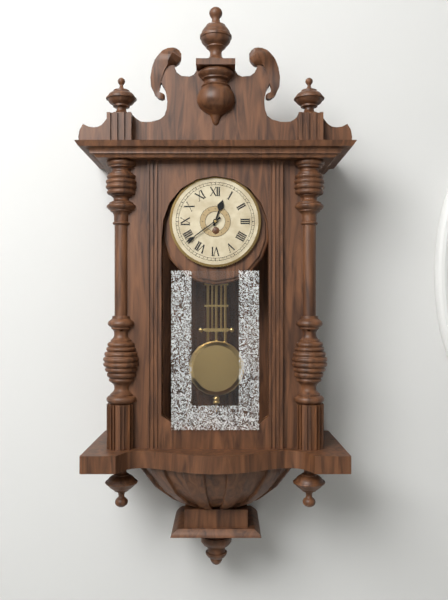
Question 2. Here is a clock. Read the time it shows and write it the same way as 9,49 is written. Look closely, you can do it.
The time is 12,39
